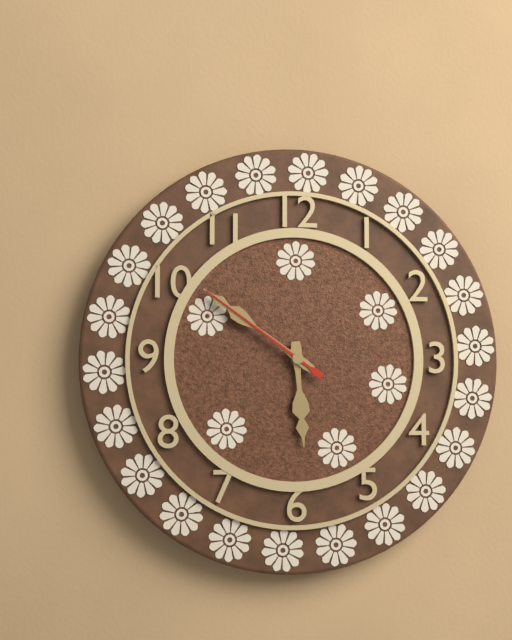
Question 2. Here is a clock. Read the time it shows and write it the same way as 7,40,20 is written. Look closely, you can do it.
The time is 5,51,51
